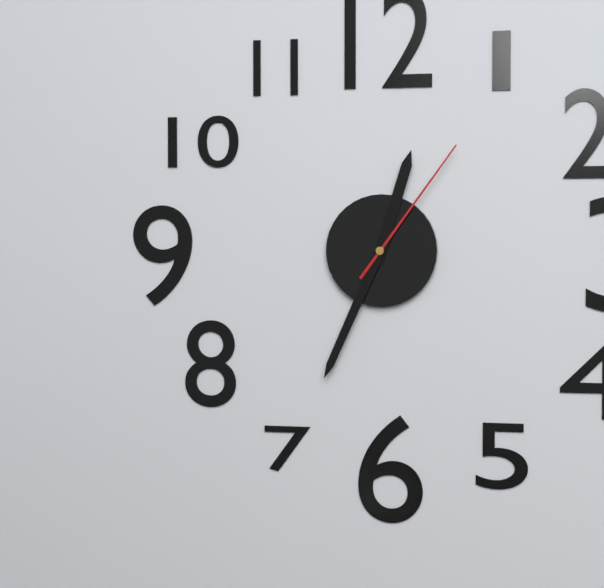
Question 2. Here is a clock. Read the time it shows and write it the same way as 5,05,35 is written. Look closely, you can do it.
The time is 12,34,06
